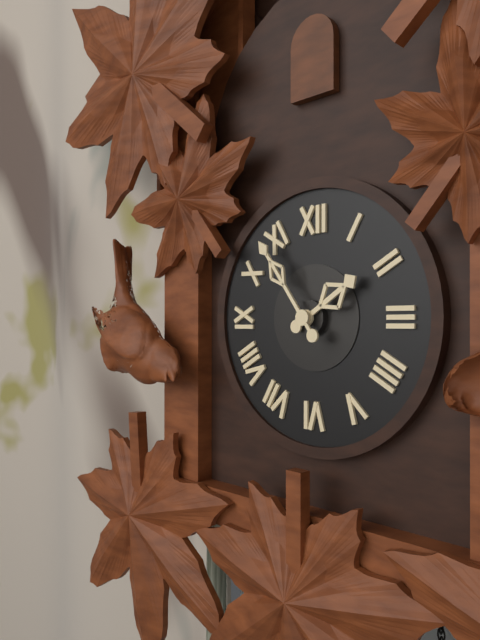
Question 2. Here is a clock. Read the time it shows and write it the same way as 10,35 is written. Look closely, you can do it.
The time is 1,54
